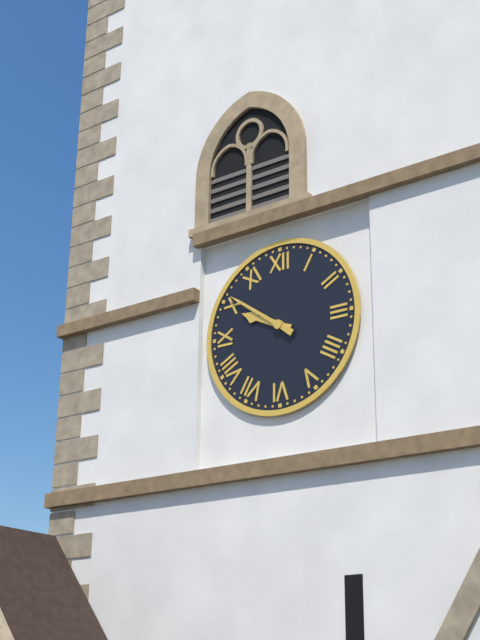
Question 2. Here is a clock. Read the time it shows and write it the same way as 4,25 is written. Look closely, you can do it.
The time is 9,51
